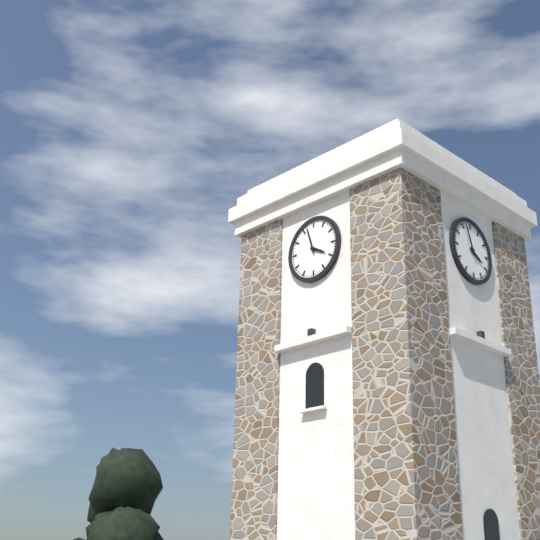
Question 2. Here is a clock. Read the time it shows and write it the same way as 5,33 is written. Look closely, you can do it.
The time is 3,57
